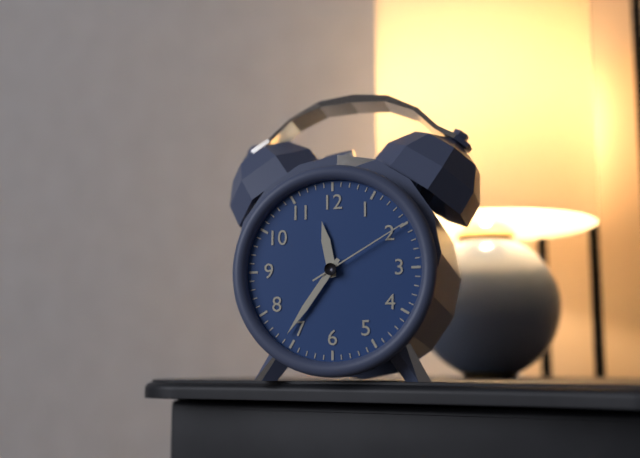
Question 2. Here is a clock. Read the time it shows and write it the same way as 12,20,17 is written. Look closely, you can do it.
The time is 11,36,10
